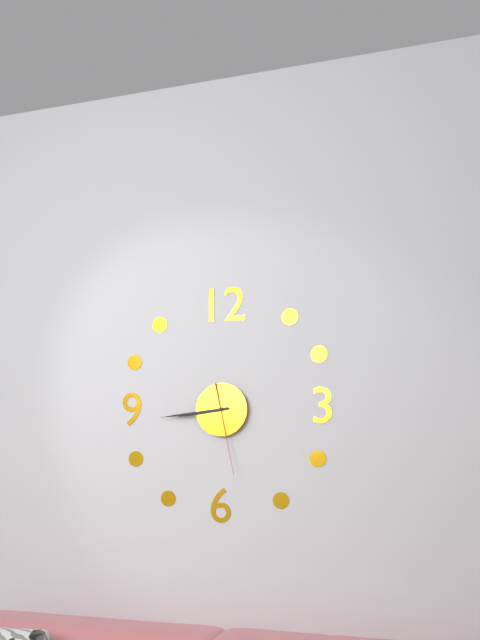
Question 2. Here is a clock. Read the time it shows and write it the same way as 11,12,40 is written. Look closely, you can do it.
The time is 8,44,28
